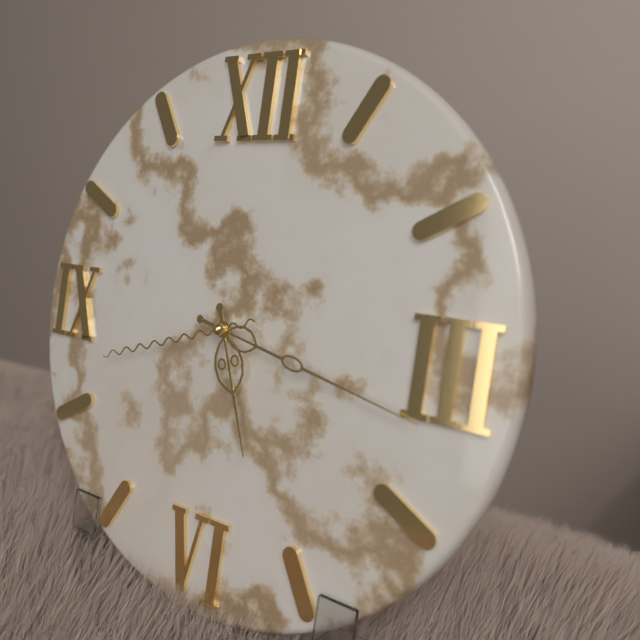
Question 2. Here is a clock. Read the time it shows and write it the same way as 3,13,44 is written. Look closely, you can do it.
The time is 5,17,42
